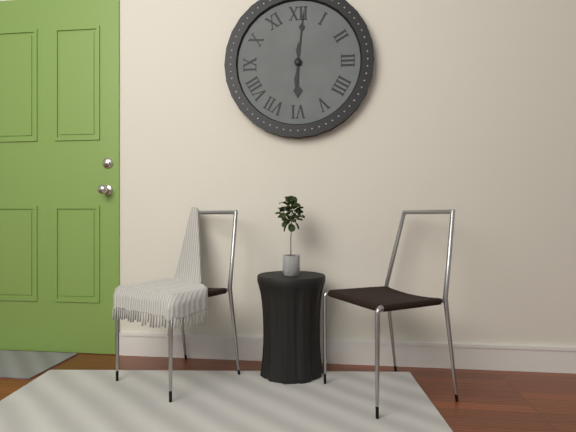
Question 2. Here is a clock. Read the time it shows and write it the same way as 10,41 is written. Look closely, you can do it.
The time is 6,01
